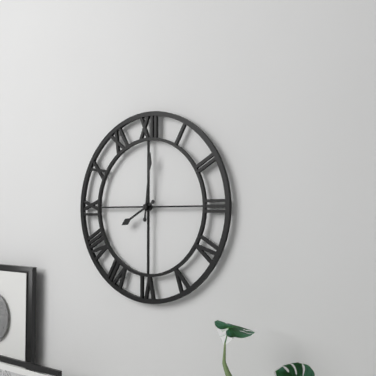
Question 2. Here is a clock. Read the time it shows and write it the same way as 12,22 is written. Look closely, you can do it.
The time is 8,01
